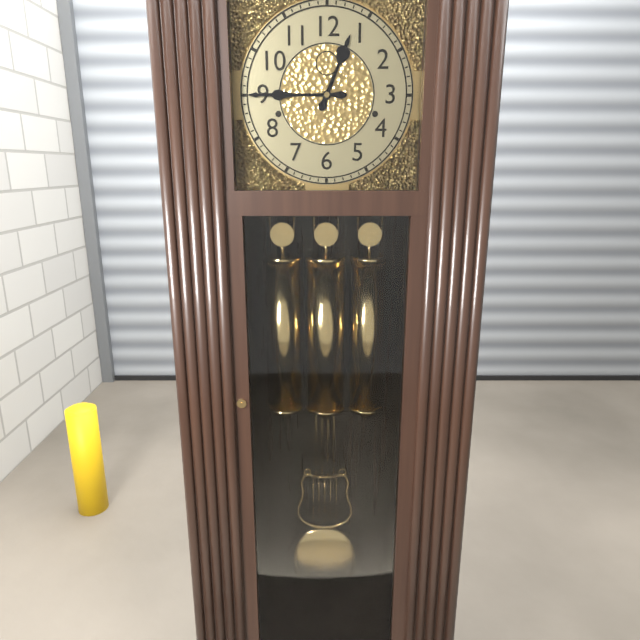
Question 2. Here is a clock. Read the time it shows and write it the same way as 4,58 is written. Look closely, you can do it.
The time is 12,45
